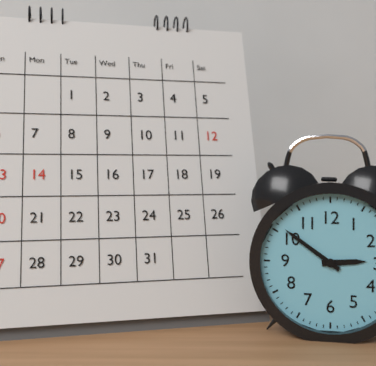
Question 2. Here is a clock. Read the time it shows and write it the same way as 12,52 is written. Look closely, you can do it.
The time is 2,51
